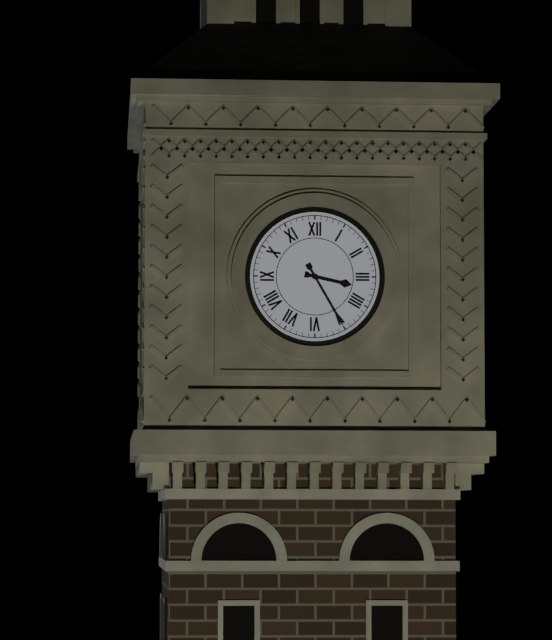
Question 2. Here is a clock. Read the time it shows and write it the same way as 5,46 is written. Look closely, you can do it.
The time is 3,25
